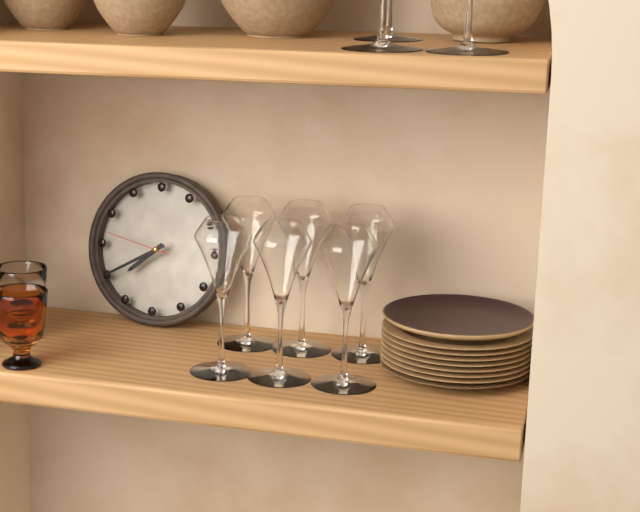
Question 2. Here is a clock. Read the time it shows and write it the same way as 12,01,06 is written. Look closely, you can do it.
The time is 7,40,47
